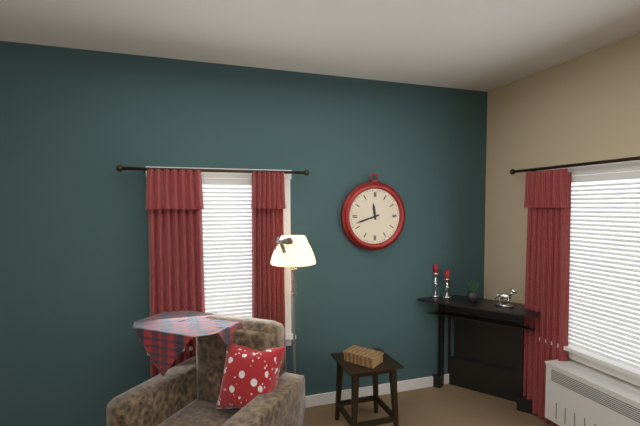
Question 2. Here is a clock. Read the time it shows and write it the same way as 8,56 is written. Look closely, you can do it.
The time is 11,42
